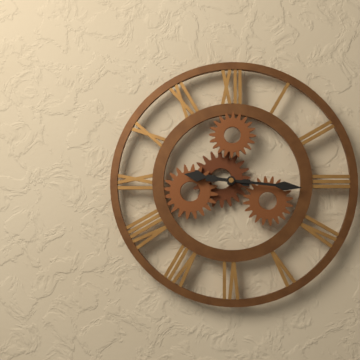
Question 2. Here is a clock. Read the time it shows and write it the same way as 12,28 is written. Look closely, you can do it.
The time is 9,16
